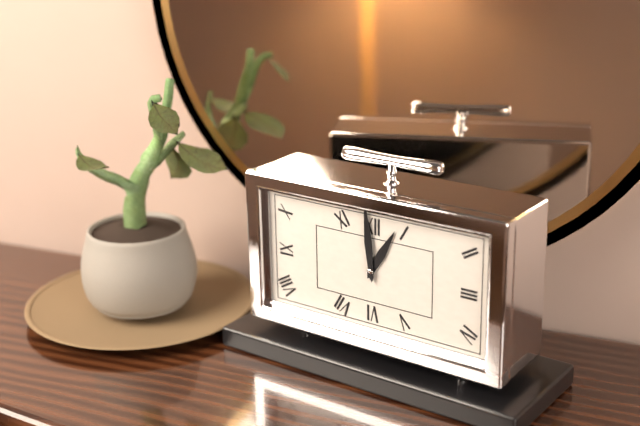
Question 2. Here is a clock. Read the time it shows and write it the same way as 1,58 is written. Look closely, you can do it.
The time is 12,59
